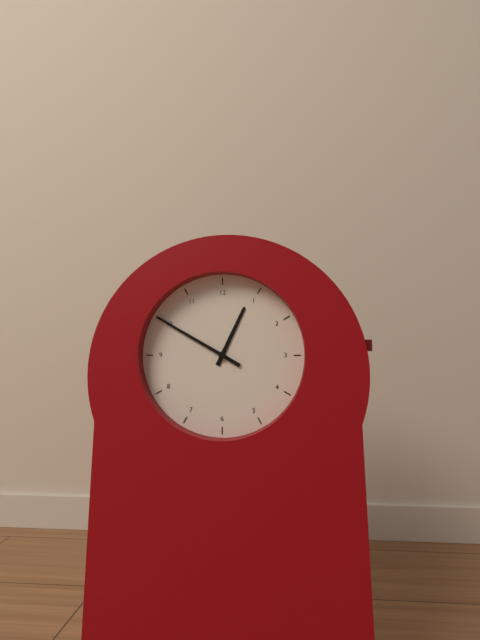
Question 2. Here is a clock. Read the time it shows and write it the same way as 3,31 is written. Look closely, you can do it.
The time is 12,50
